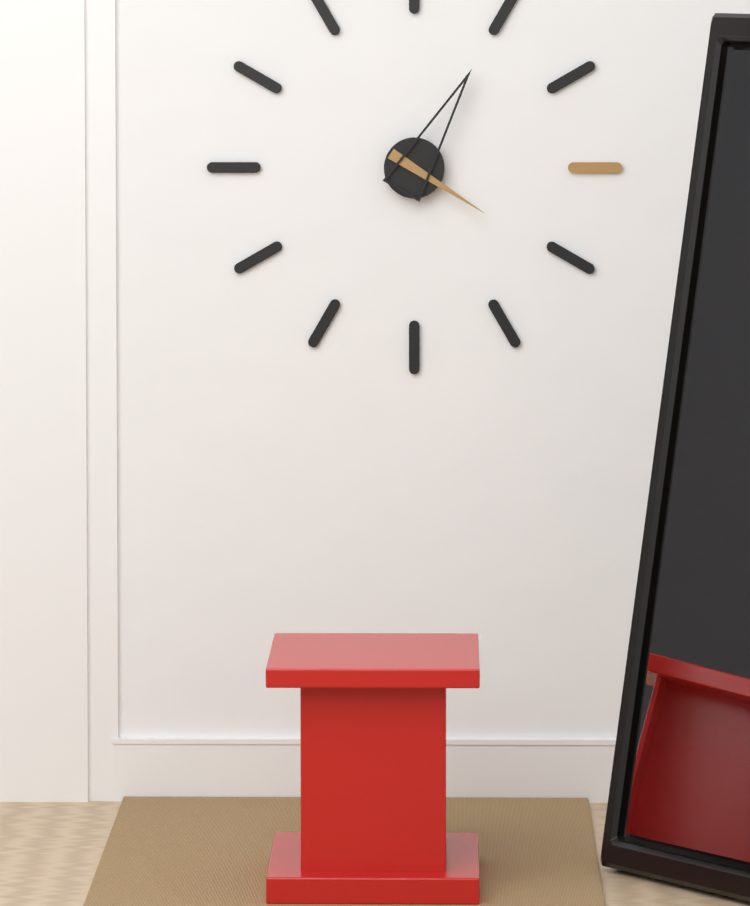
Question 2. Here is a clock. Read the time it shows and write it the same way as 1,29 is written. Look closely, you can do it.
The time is 4,05
